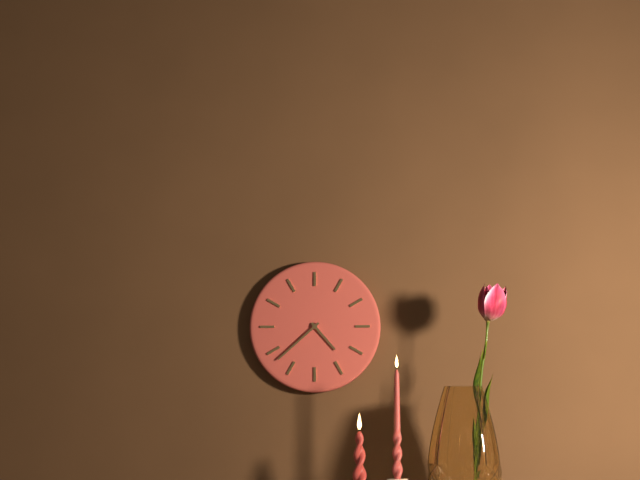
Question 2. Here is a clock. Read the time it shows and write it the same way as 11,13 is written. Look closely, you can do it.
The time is 4,38
